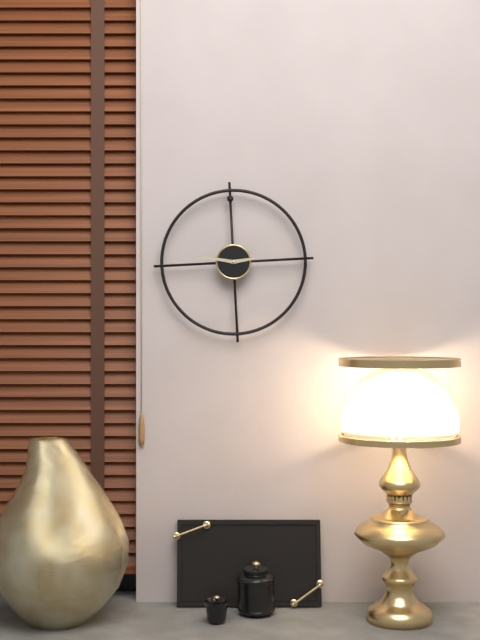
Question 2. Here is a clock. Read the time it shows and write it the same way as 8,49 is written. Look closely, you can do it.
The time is 2,47
